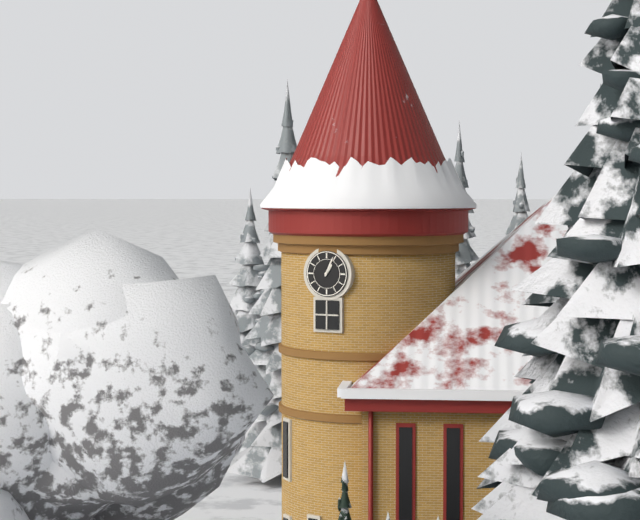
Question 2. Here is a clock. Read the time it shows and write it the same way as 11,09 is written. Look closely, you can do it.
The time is 1,04
